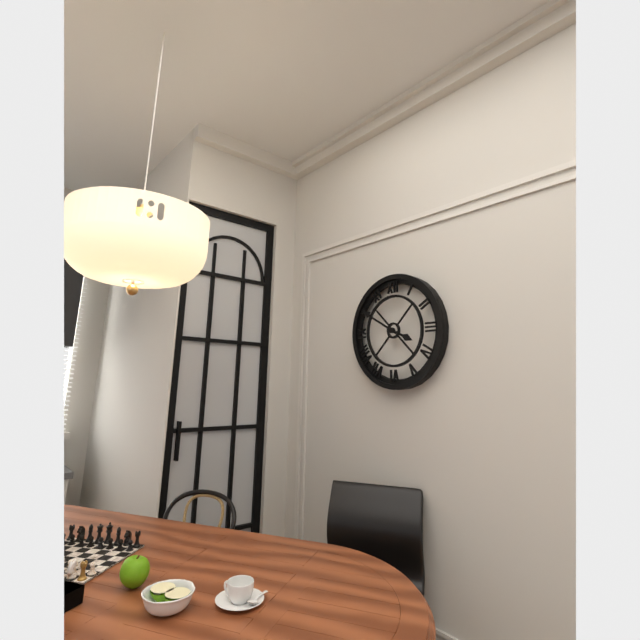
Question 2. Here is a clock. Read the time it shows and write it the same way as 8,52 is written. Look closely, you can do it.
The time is 3,50
